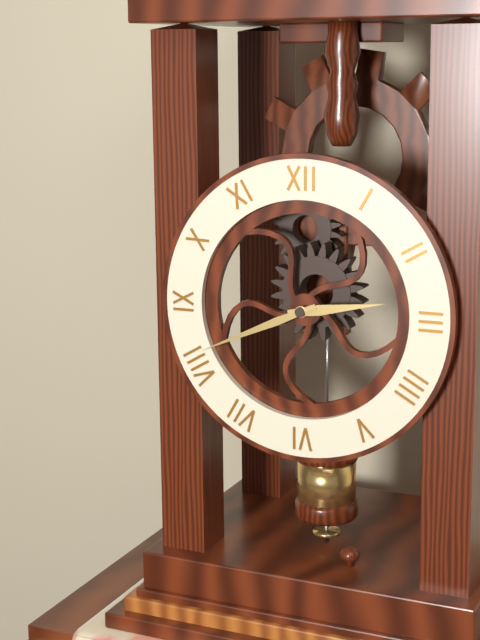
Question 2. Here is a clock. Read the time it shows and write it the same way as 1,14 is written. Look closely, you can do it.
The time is 2,41
